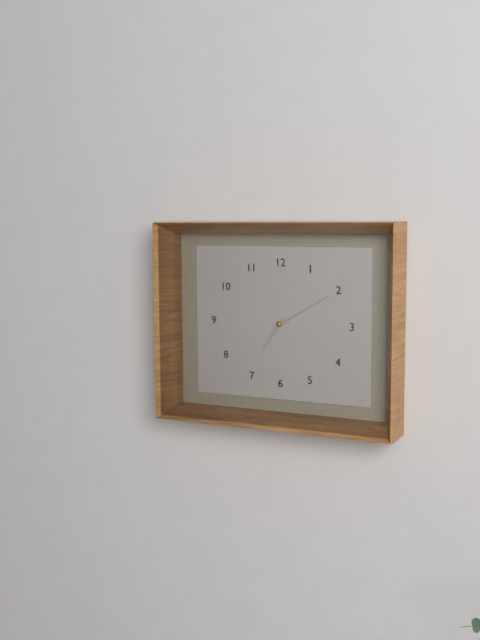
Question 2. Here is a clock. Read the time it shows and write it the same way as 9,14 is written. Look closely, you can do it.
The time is 7,10
